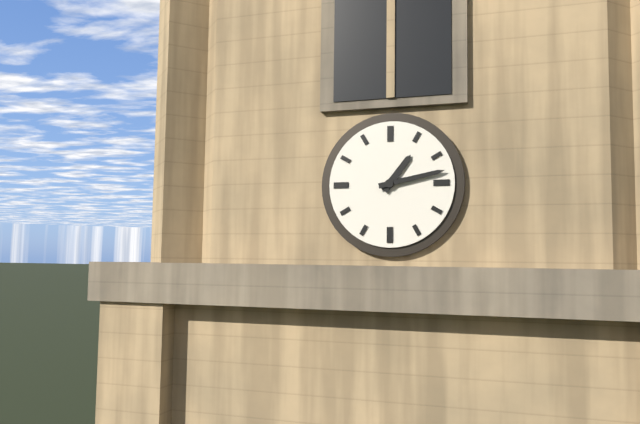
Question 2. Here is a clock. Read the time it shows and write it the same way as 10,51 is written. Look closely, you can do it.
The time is 1,13
